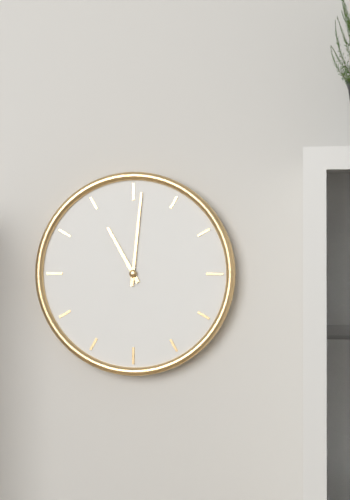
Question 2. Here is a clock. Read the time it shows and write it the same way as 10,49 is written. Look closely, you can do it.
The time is 11,01
